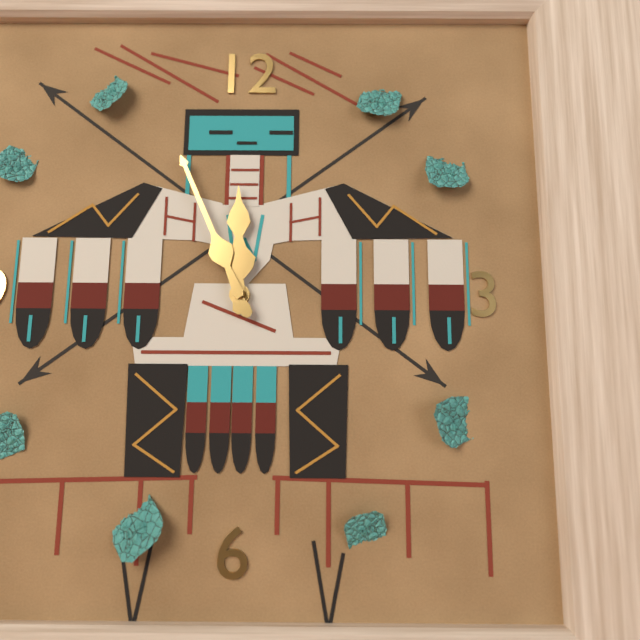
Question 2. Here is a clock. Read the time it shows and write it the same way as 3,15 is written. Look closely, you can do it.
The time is 11,56
